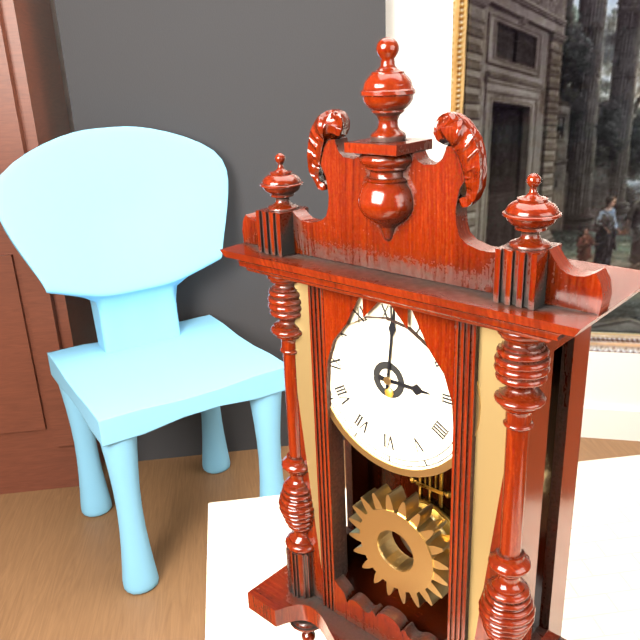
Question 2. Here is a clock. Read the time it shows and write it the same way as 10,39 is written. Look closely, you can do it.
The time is 3,01
